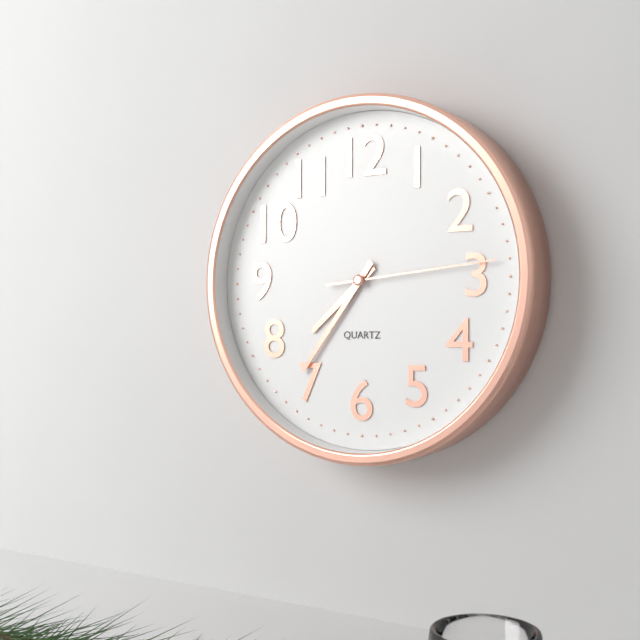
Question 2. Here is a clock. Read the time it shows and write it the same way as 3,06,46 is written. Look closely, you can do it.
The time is 7,36,14
